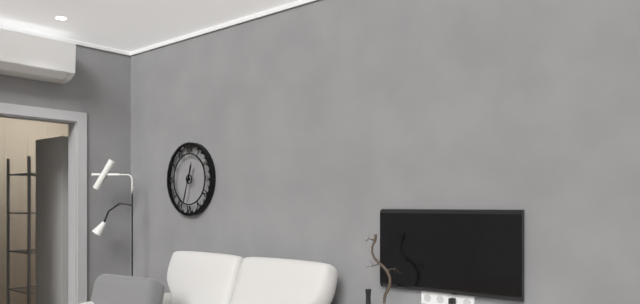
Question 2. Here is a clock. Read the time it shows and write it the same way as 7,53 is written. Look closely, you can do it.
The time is 12,33
